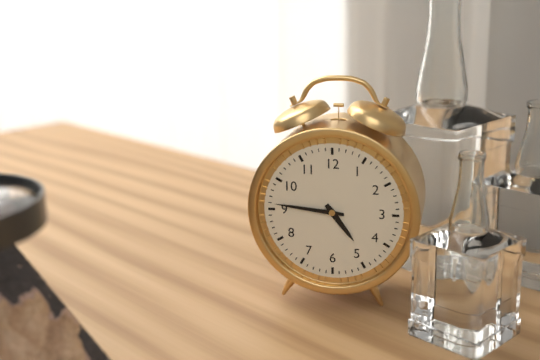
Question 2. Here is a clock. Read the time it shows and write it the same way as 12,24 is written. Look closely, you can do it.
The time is 4,46
